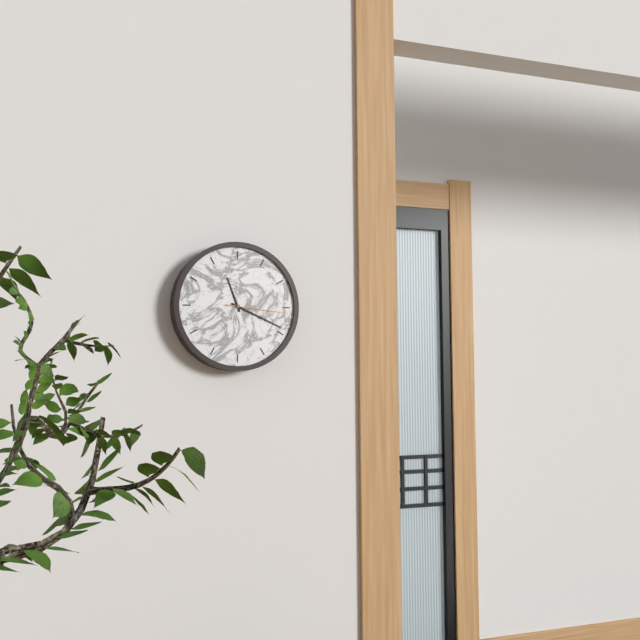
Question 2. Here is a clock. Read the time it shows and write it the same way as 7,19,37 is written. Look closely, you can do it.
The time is 11,19,16
